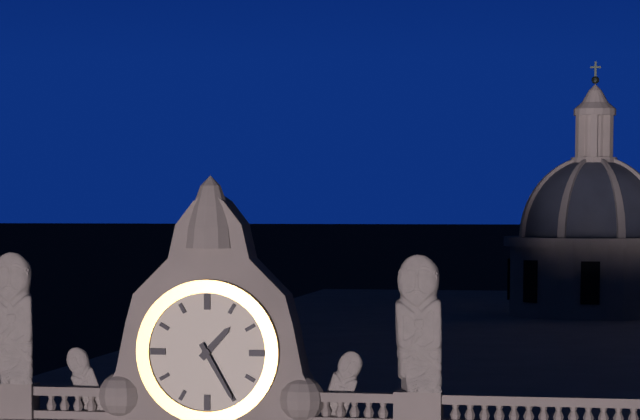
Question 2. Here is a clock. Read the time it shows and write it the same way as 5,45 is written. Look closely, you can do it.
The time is 1,25
